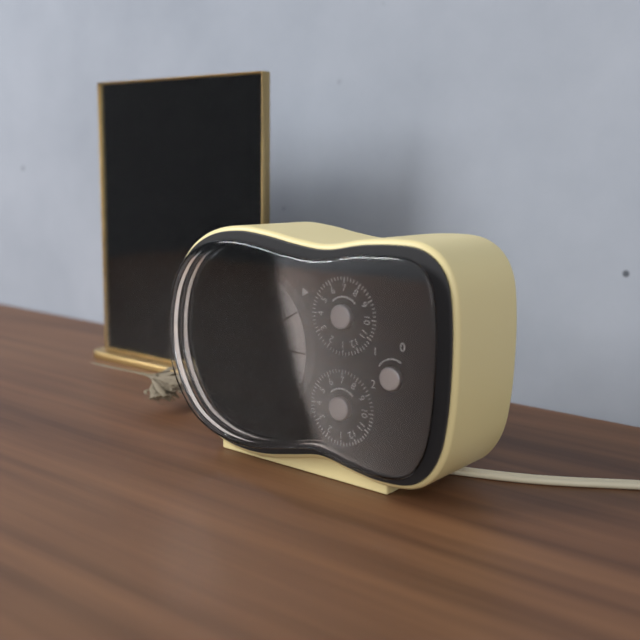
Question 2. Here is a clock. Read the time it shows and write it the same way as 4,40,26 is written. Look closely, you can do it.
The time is 11,34,45
